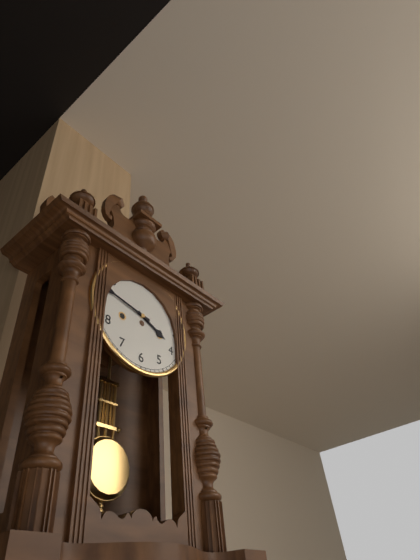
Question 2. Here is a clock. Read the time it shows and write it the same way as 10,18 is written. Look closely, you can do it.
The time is 3,47
